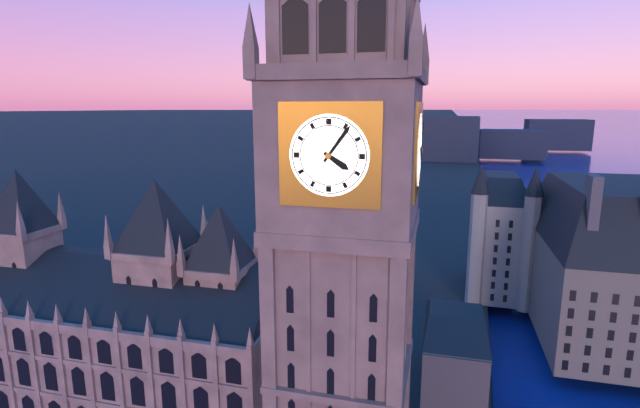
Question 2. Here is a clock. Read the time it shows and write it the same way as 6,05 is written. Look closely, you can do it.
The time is 4,06
